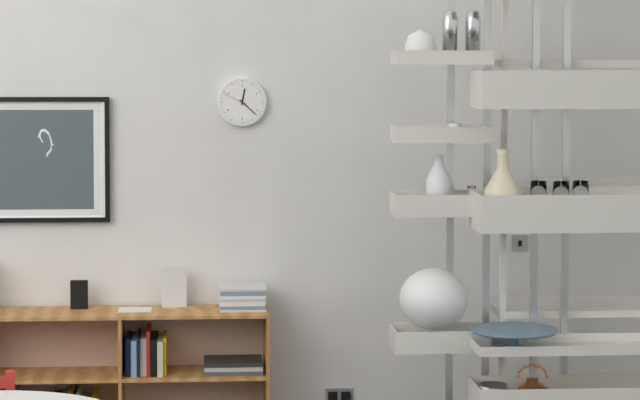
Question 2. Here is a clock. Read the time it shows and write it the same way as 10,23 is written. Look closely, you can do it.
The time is 12,22
